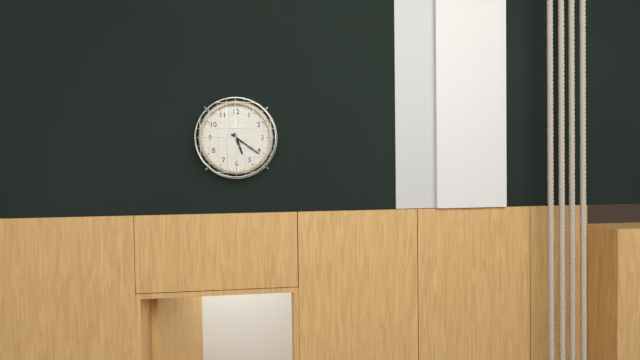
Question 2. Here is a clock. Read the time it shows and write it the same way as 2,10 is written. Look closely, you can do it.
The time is 5,21
